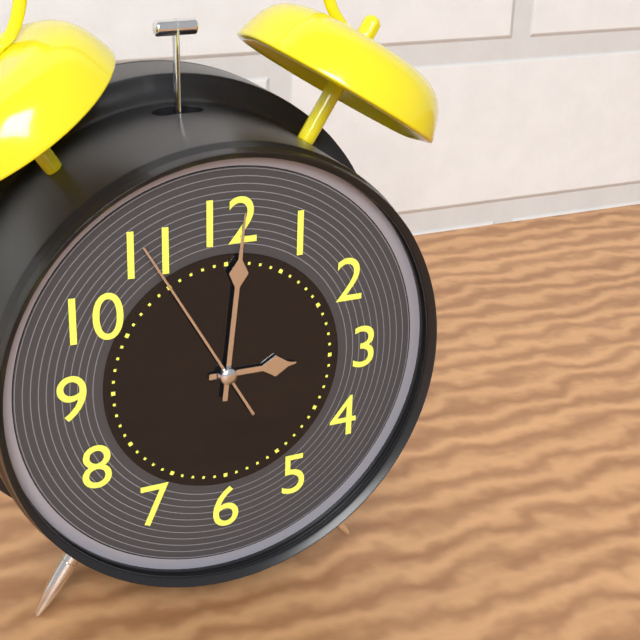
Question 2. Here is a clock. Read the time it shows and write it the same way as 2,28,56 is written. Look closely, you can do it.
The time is 3,01,55
